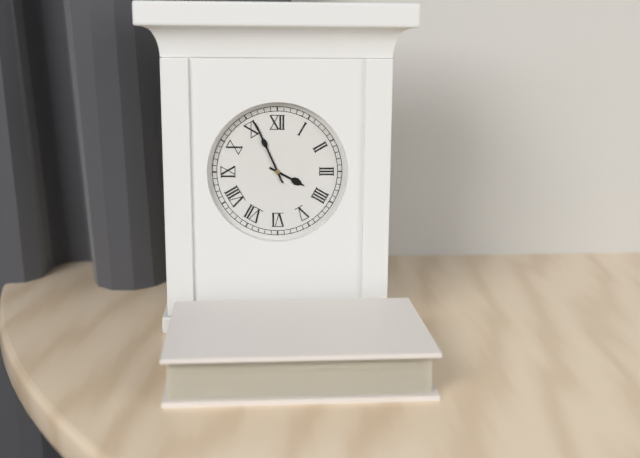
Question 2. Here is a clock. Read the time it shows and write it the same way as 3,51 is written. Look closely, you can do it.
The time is 3,56
